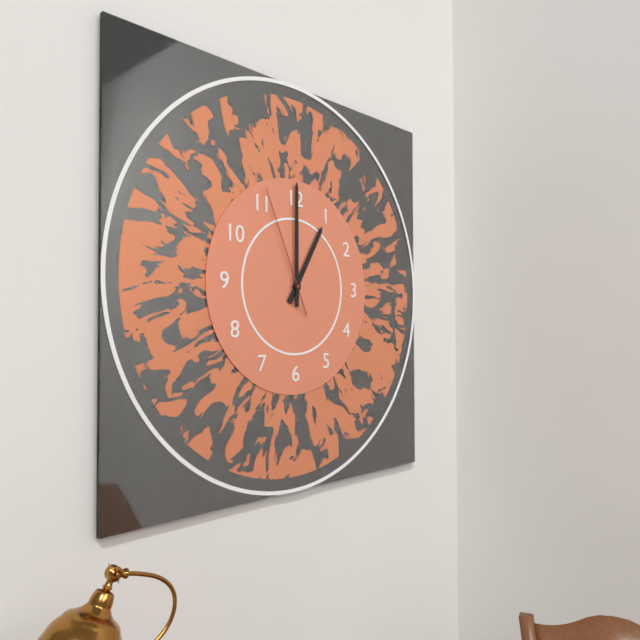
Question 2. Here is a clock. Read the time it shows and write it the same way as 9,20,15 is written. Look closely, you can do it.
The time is 1,00,56
